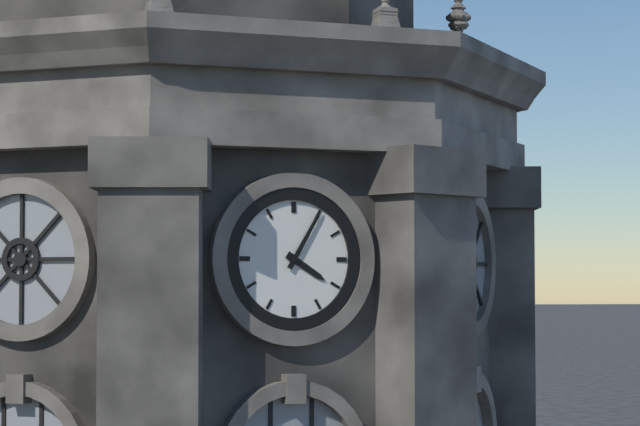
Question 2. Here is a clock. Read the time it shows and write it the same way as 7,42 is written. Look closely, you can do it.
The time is 4,05
